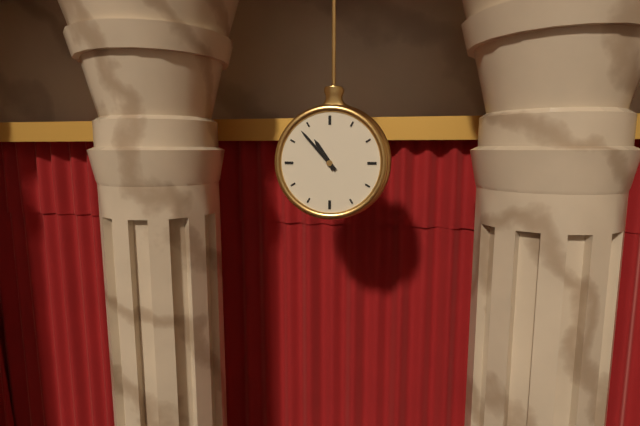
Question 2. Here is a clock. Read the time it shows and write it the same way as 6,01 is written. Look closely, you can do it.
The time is 10,53
